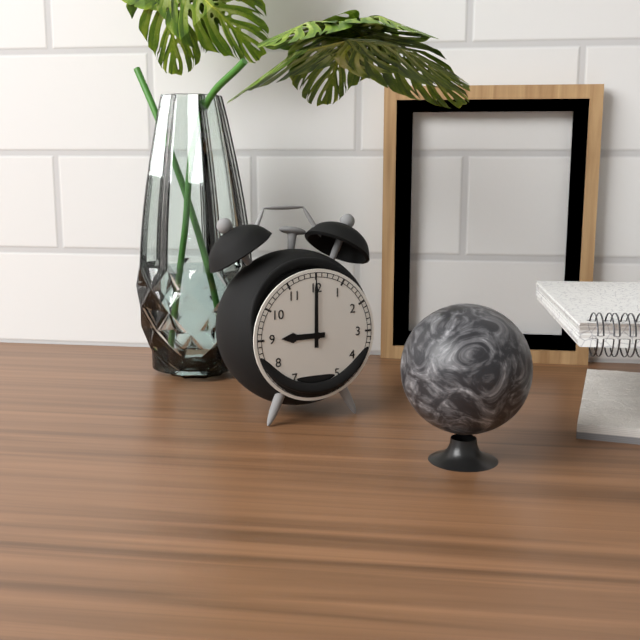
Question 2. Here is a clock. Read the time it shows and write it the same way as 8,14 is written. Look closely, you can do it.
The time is 9,00
